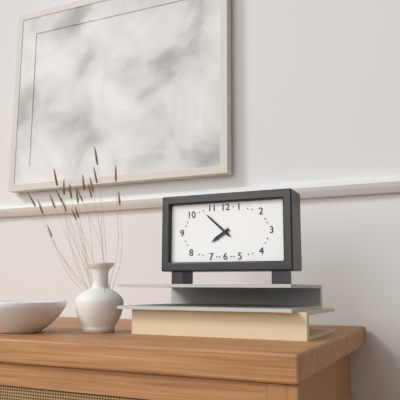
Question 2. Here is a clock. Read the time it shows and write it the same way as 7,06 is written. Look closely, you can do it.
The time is 7,52
